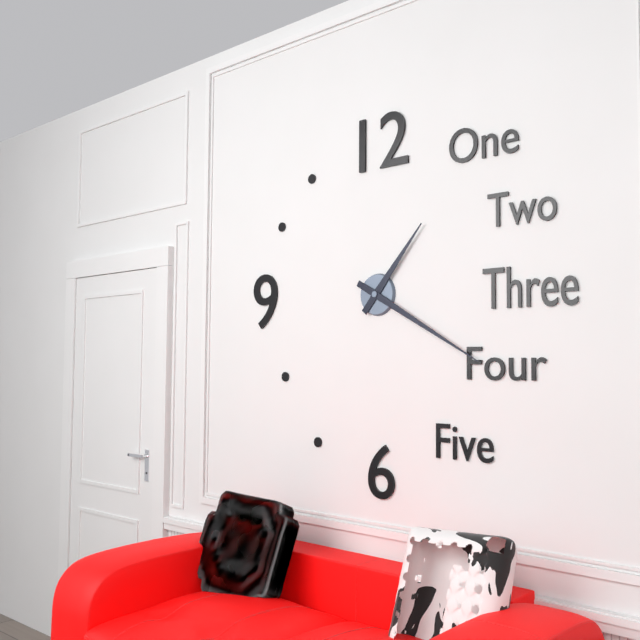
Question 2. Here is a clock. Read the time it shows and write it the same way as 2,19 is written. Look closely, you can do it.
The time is 1,20
